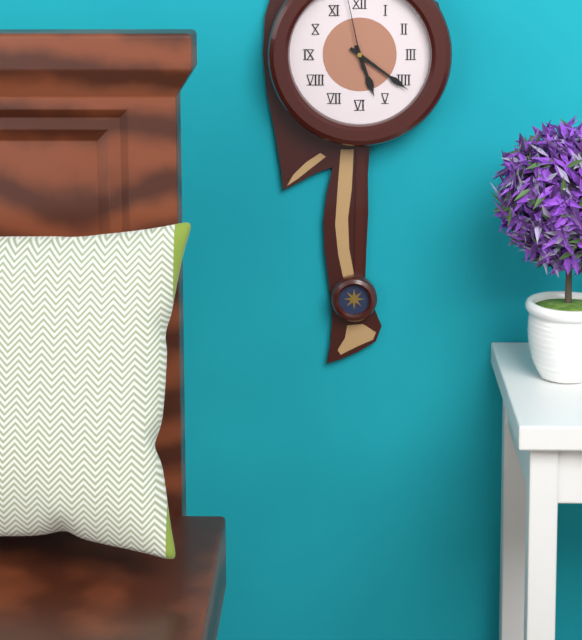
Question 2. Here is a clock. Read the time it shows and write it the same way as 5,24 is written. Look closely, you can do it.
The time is 5,21
